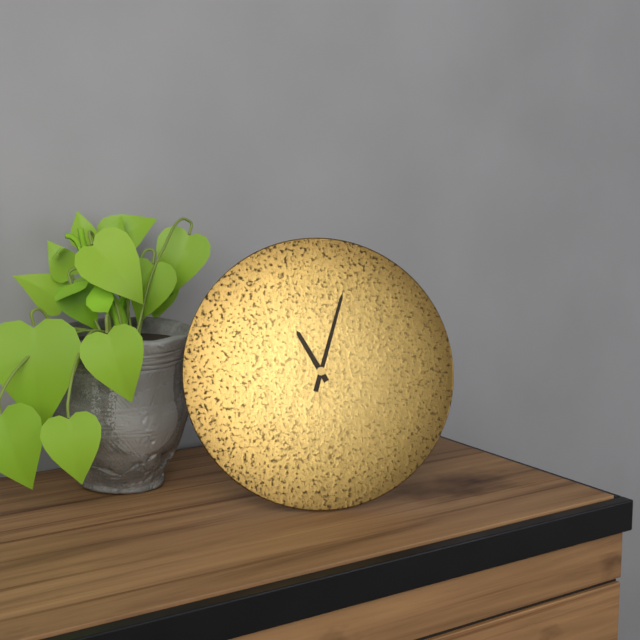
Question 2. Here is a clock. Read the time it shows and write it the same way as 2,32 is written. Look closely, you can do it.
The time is 11,03
